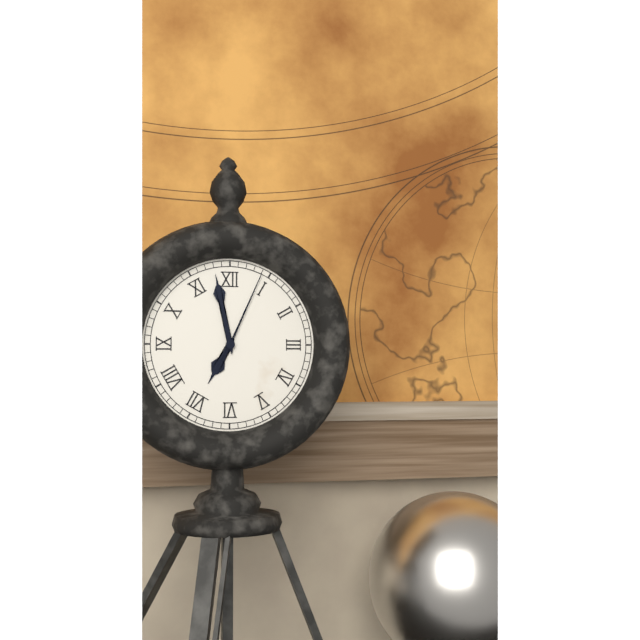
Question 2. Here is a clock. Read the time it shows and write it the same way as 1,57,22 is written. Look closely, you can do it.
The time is 6,58,04
